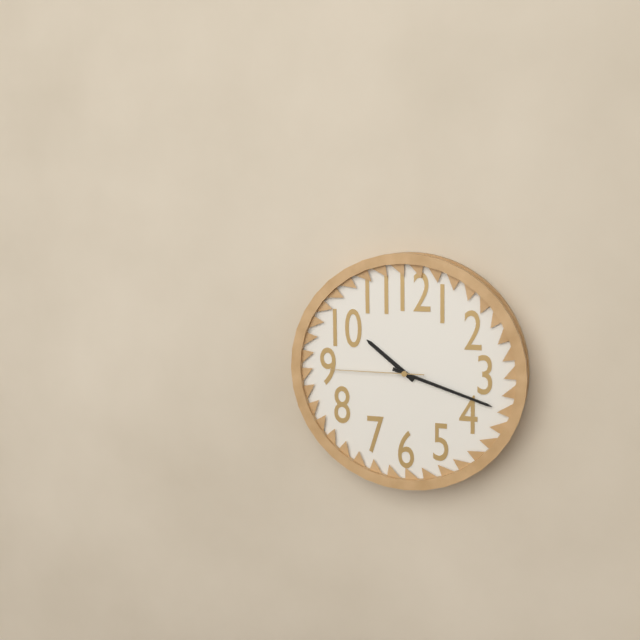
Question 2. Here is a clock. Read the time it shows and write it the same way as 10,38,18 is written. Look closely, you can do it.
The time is 10,18,45
